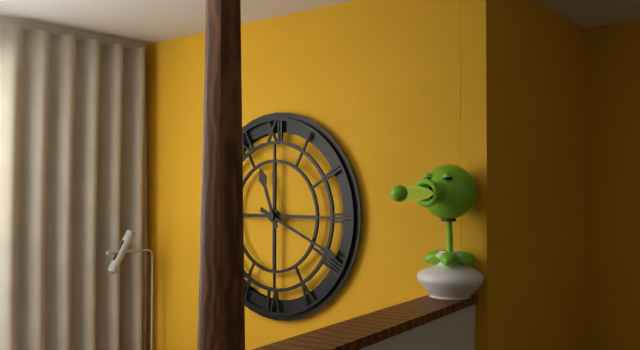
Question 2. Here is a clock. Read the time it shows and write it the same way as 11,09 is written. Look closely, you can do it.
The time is 11,19
